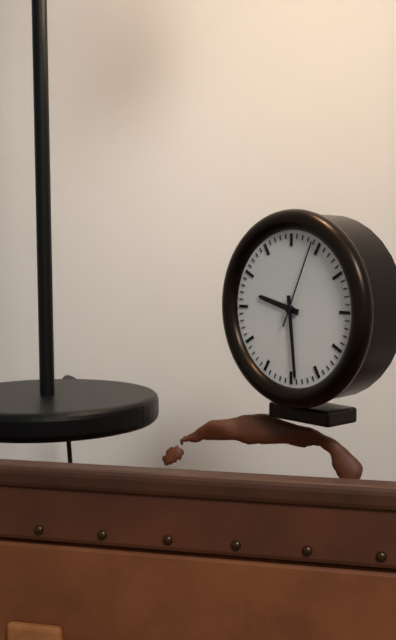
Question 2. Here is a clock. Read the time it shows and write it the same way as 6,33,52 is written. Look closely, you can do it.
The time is 9,29,04
